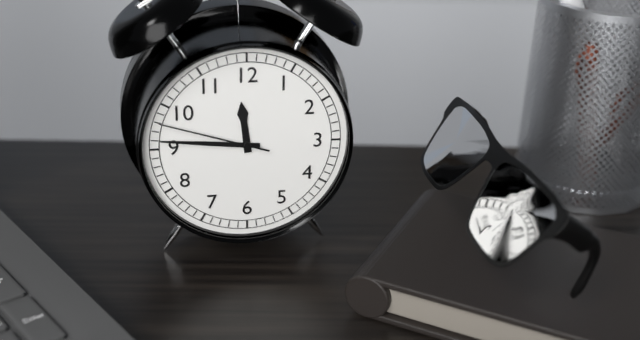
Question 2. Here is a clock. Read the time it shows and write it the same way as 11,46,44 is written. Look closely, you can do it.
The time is 11,46,48
